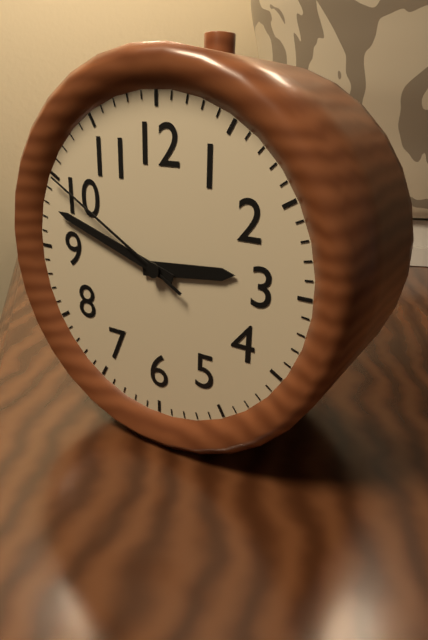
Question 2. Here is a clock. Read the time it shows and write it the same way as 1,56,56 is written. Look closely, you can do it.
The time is 2,48,50
